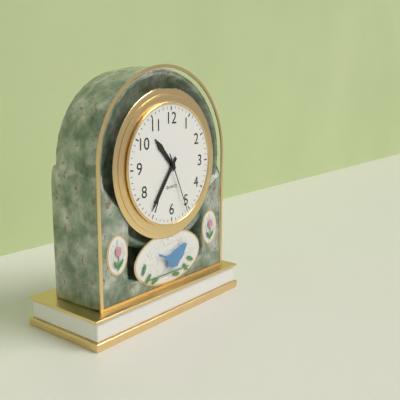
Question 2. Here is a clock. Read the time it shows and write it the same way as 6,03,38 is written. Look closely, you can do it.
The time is 10,36,26
